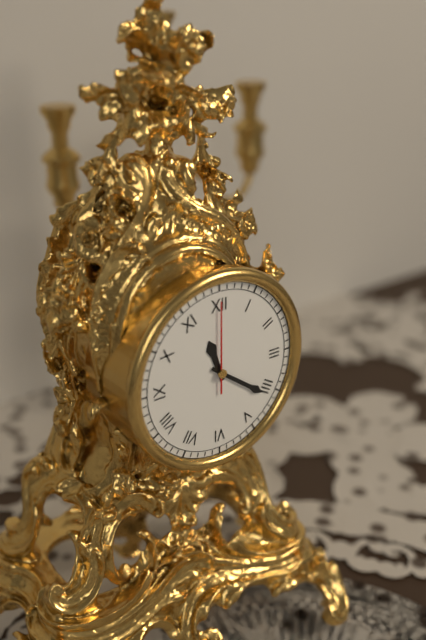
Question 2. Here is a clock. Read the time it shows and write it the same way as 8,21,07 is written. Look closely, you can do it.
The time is 11,21,00
